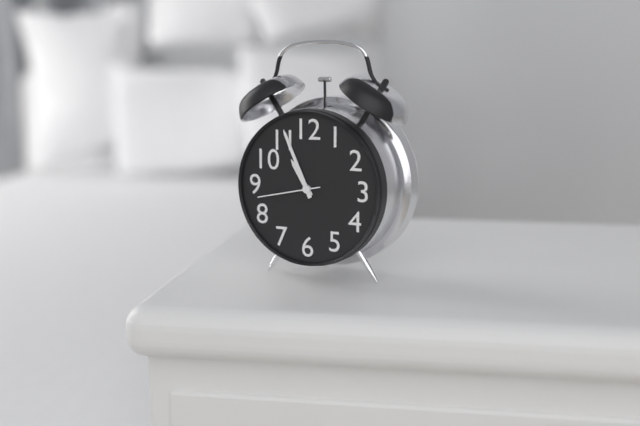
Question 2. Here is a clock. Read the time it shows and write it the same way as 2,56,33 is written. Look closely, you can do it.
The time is 10,56,43
